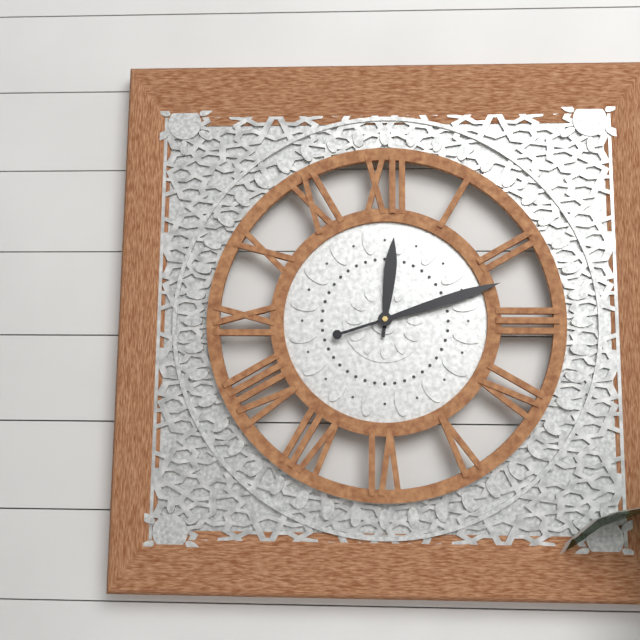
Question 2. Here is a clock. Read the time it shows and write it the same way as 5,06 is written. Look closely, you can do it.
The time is 12,12
